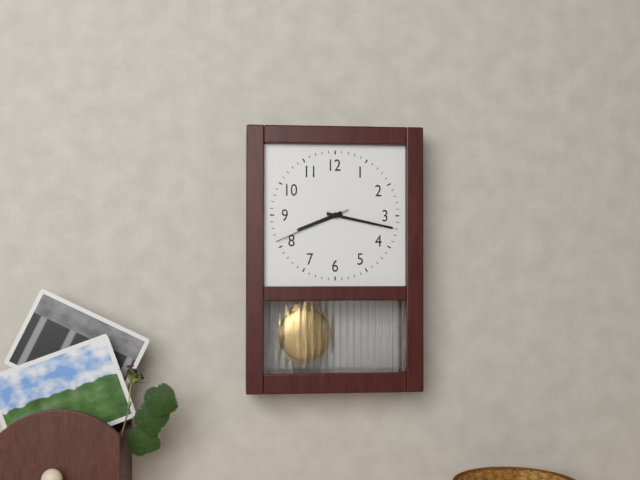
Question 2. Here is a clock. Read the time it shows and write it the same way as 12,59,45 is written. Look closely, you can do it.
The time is 8,17,41
